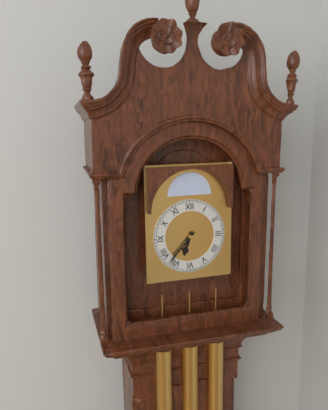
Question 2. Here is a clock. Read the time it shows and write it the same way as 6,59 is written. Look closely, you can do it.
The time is 6,37
